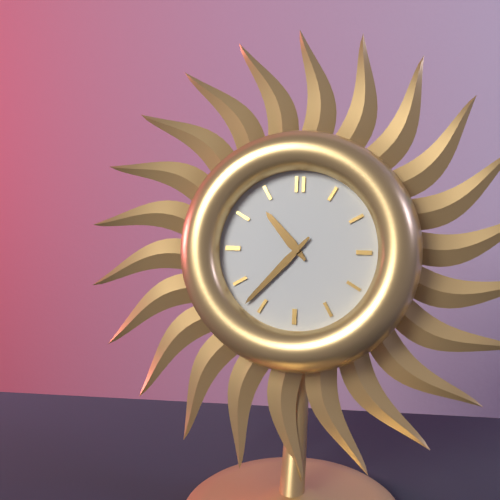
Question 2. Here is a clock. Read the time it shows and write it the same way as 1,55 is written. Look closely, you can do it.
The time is 10,37
